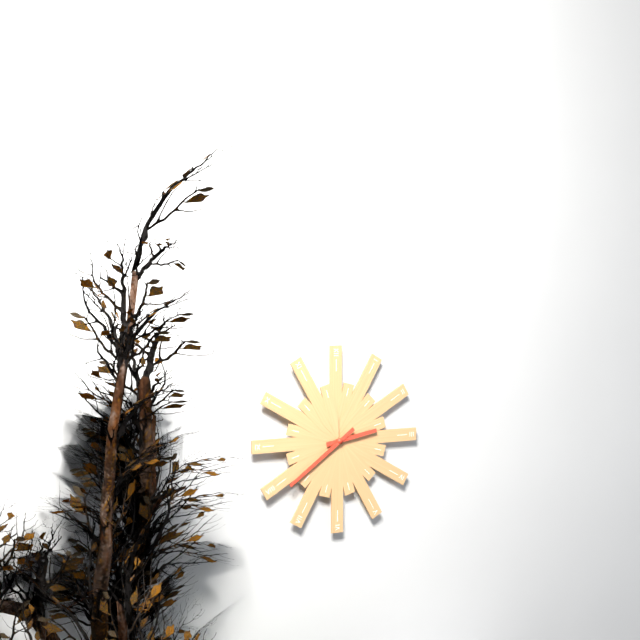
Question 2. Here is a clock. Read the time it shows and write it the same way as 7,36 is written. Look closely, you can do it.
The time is 2,39
